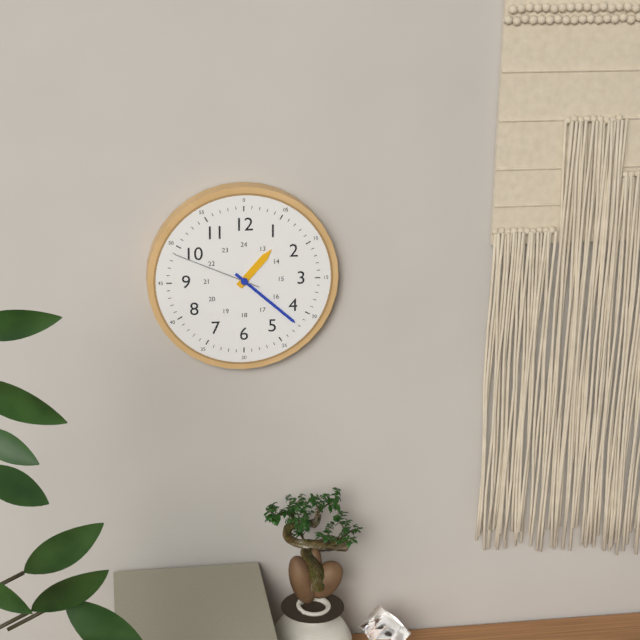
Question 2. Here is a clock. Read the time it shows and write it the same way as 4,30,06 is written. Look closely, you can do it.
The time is 1,22,49
